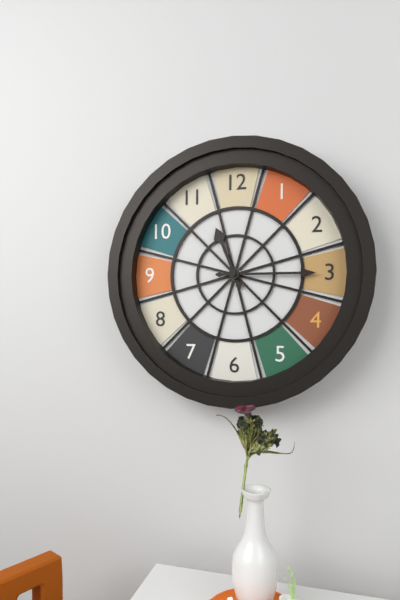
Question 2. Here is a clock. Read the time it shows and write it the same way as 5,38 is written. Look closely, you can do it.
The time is 11,15
